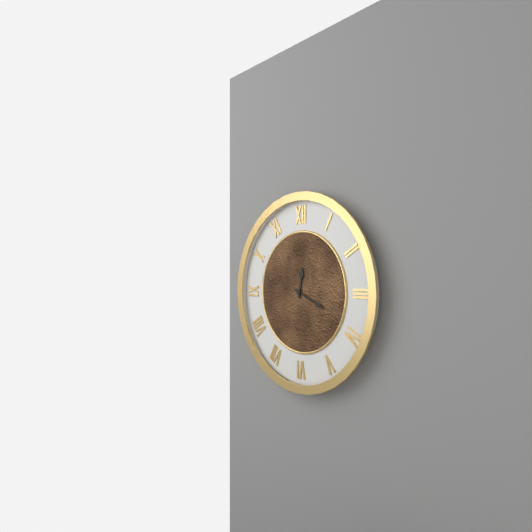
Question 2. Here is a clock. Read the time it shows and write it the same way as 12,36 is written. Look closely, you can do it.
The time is 12,19
